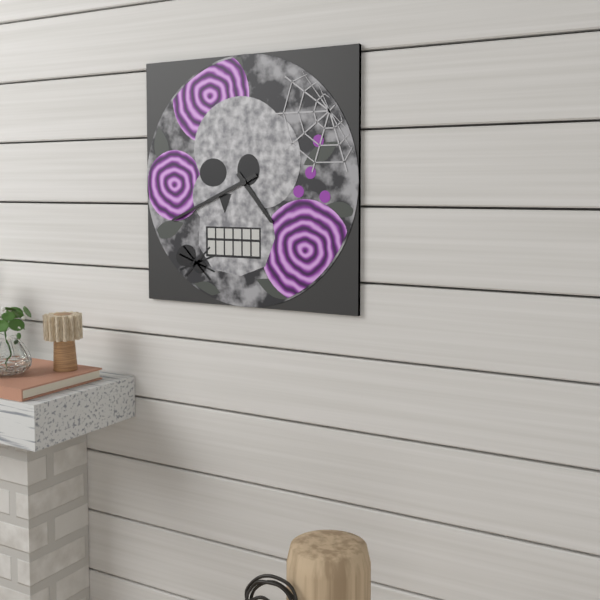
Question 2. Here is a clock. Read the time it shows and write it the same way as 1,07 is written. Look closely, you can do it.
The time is 4,41
